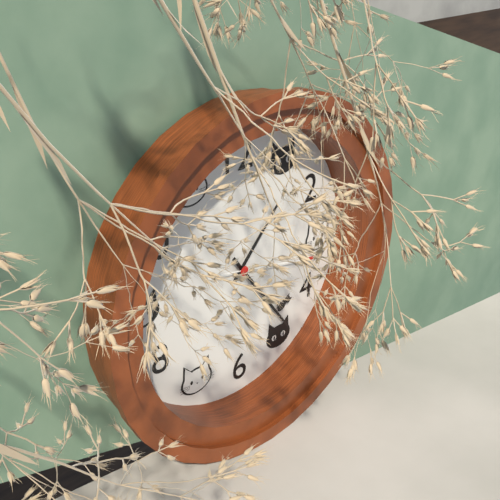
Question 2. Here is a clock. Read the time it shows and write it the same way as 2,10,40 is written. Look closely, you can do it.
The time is 1,24,17
